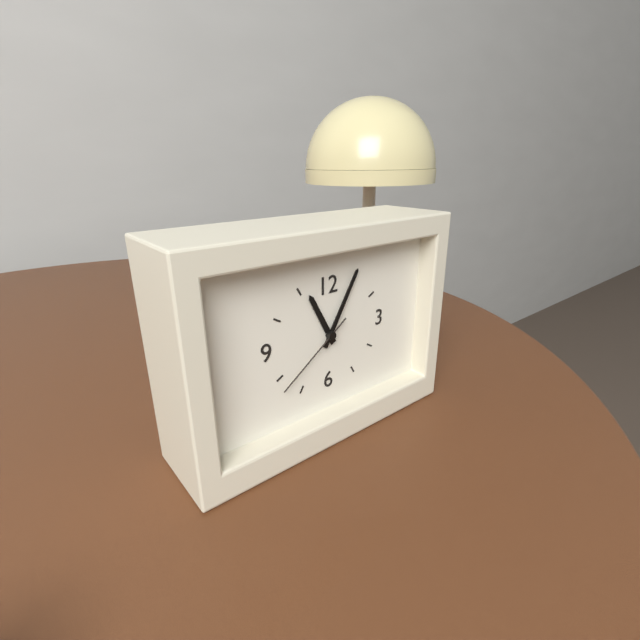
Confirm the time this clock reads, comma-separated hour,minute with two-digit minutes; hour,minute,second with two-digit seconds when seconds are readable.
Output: 11,05,39
